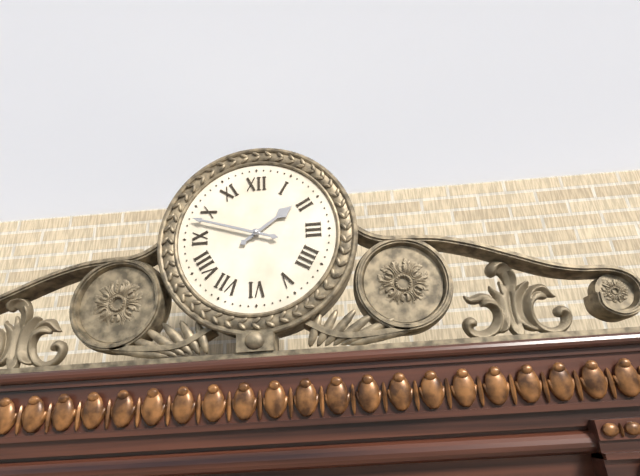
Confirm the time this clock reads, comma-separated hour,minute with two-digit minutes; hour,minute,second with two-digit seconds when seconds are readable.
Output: 1,48
